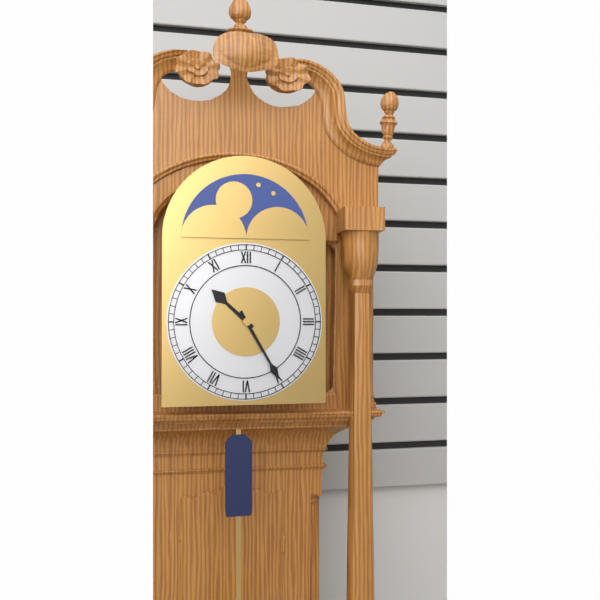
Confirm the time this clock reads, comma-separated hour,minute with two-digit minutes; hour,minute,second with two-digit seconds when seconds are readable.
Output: 10,25
